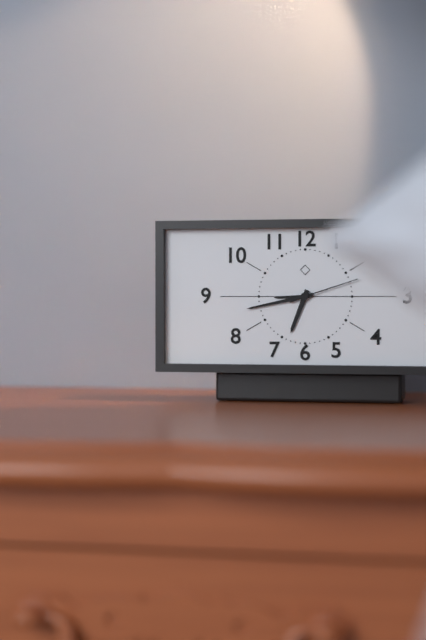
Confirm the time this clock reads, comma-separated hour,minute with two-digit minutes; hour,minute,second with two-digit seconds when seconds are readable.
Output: 6,43,12
